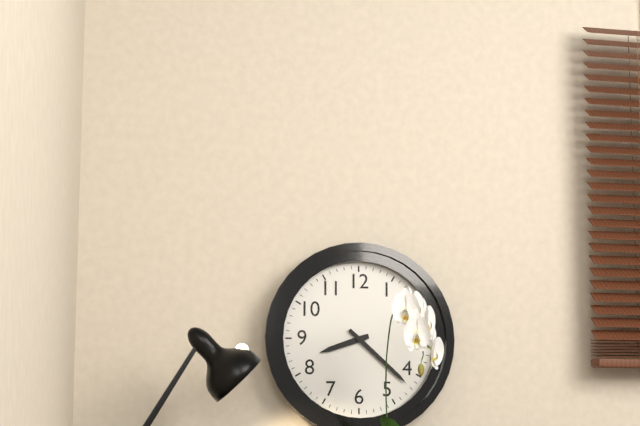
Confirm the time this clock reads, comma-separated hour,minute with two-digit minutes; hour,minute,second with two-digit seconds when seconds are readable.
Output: 8,22
